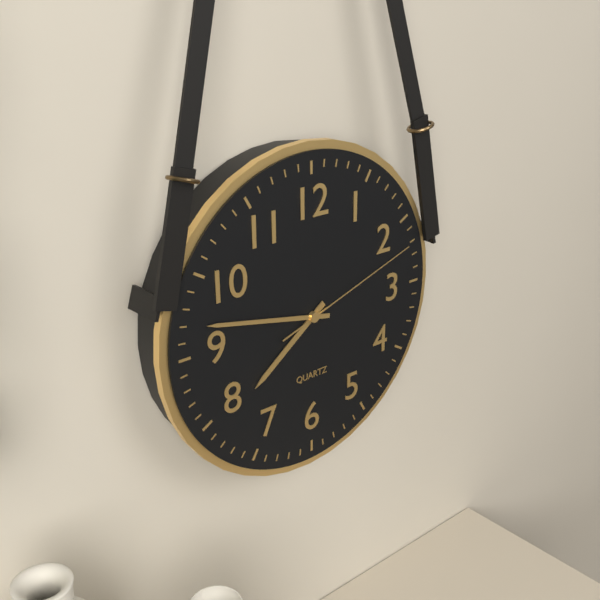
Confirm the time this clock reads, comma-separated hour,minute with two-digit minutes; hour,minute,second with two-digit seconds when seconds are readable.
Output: 7,47,12
